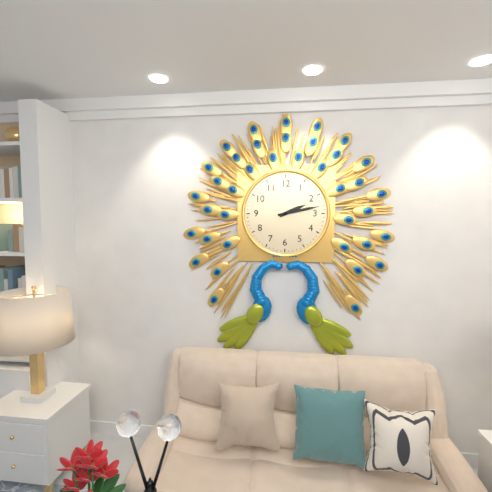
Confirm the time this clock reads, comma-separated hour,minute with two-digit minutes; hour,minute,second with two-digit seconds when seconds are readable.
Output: 2,13
